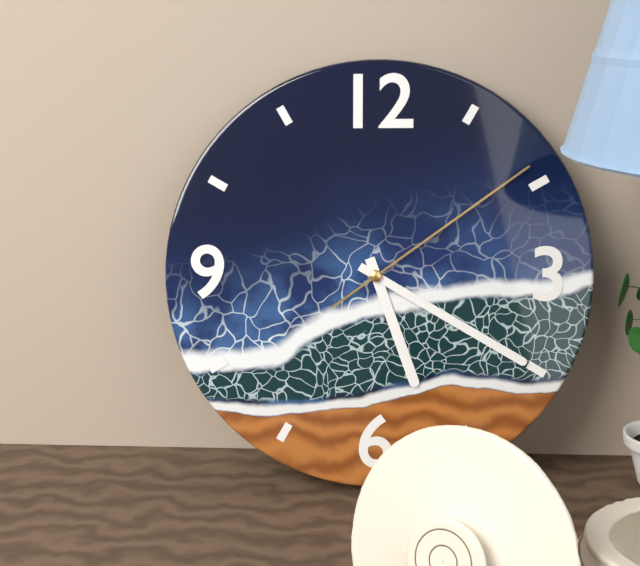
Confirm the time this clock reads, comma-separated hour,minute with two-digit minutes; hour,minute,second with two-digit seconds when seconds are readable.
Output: 5,20,09
